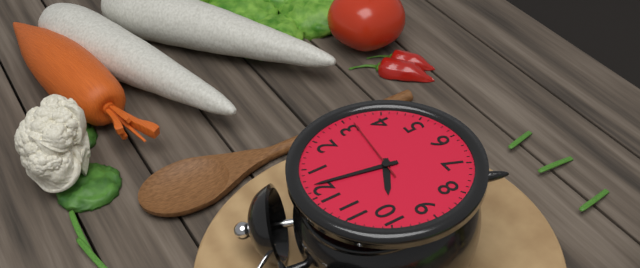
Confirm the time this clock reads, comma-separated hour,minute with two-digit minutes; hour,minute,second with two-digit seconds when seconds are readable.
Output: 10,02,16
